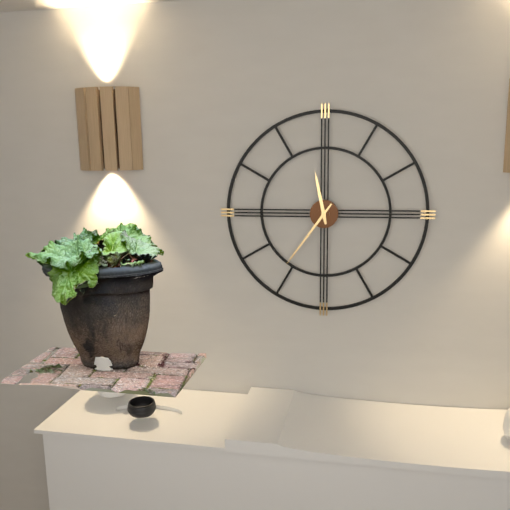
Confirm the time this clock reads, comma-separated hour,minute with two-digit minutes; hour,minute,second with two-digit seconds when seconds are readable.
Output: 11,36
